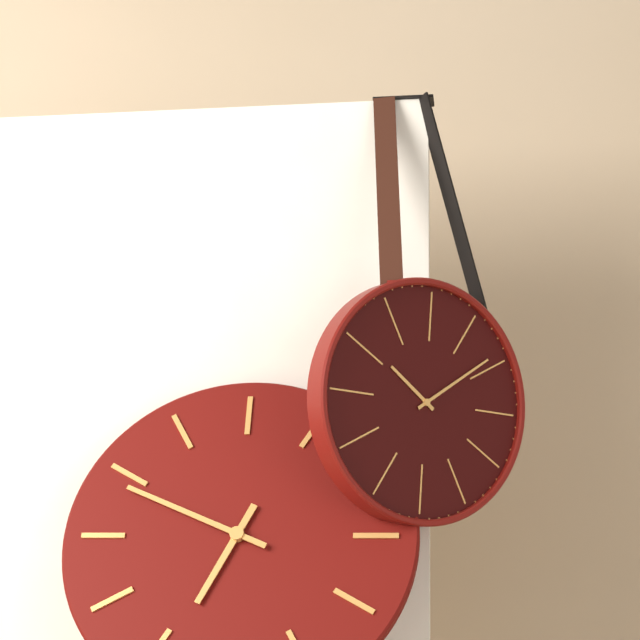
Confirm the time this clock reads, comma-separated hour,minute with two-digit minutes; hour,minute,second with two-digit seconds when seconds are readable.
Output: 6,49
